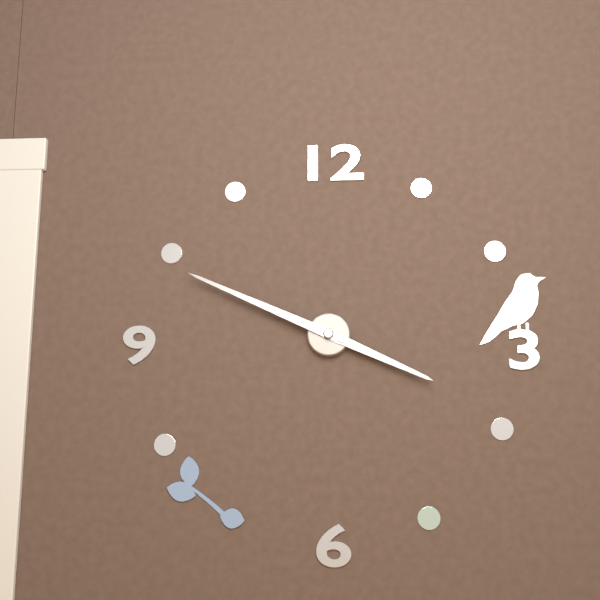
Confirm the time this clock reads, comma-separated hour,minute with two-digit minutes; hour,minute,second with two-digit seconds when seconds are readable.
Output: 3,49
